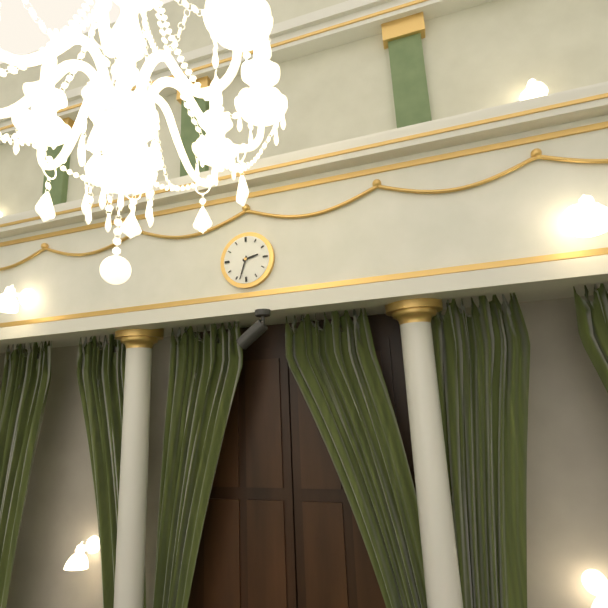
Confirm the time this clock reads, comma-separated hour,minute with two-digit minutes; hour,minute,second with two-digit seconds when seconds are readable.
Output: 2,33
